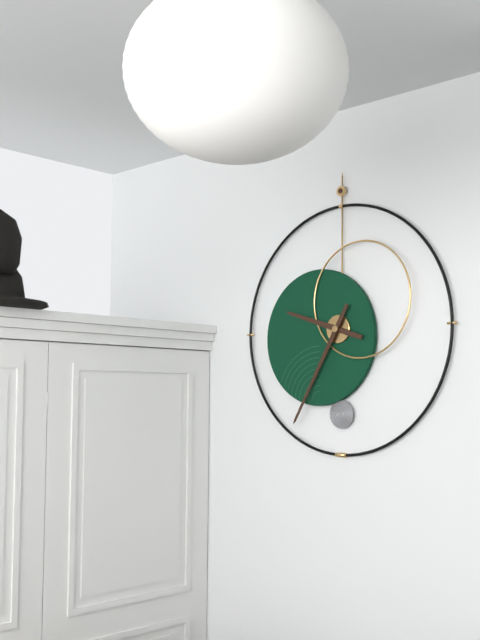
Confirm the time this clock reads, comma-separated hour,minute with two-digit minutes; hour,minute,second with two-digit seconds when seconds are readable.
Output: 9,35
